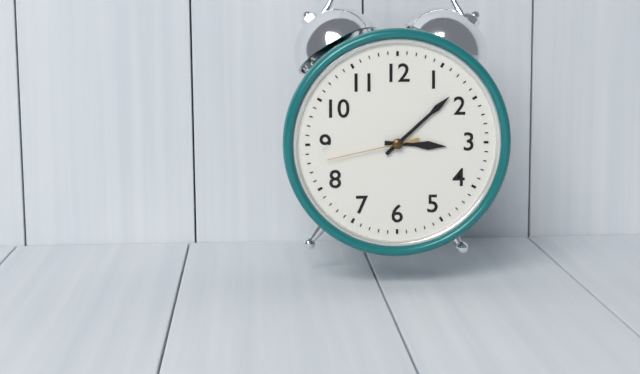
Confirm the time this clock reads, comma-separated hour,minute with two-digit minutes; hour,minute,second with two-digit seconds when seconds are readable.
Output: 3,08,43
